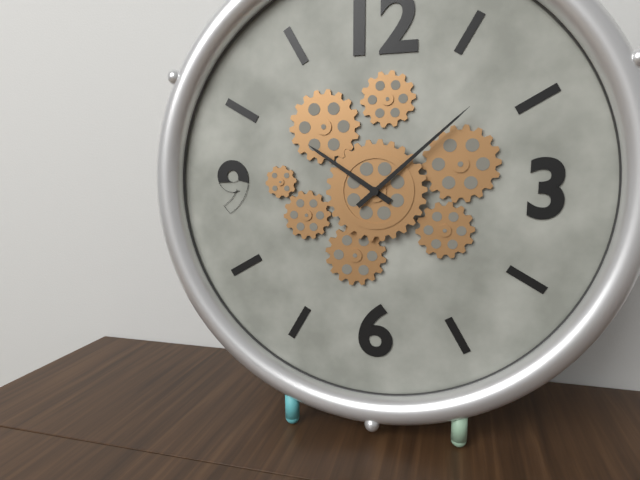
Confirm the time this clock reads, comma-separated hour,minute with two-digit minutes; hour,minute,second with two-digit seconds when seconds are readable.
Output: 10,08
